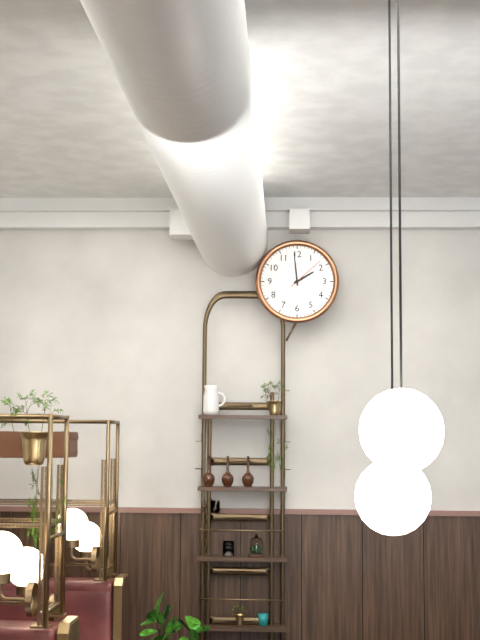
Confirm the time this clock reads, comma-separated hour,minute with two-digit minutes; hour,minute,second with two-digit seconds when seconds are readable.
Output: 1,59
